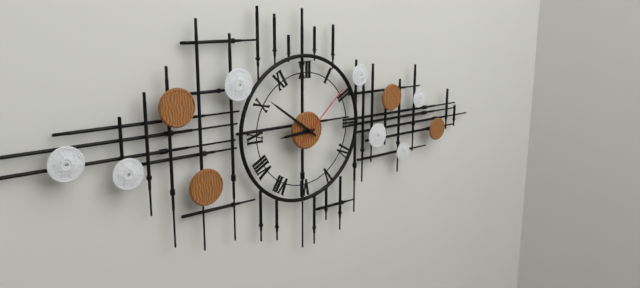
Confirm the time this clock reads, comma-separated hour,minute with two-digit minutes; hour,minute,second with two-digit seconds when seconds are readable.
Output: 8,51,08
